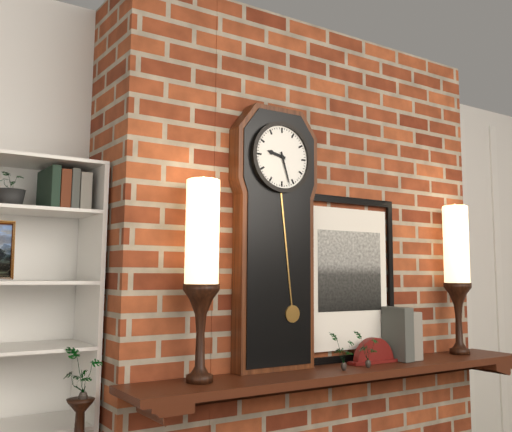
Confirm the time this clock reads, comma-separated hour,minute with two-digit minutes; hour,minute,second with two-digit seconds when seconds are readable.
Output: 9,27
